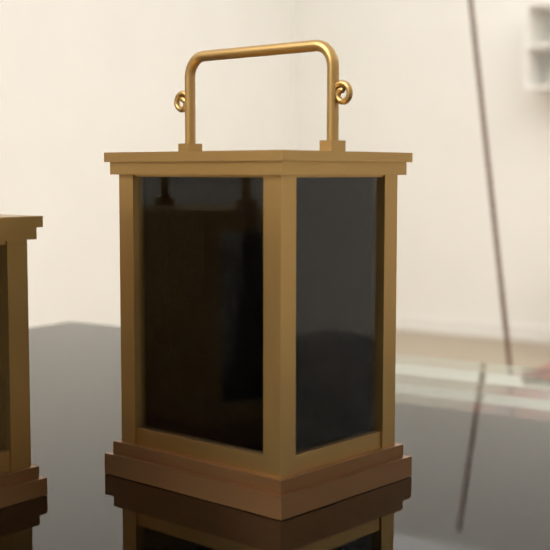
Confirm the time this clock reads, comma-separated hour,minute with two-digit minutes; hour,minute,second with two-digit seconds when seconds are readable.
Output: 4,35
